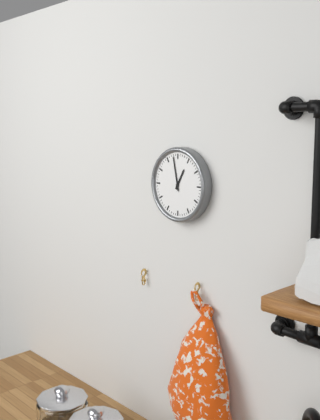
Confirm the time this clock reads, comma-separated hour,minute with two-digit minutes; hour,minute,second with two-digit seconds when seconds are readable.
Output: 12,58
